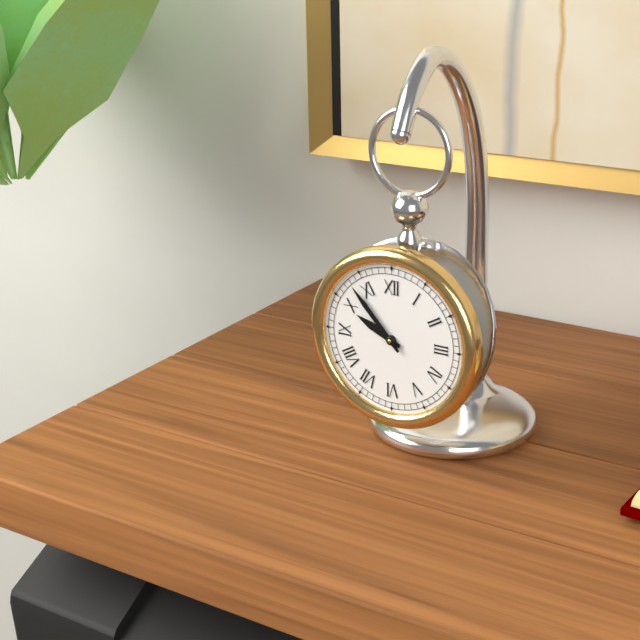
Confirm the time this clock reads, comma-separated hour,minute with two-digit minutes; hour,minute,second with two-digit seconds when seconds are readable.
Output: 9,53
